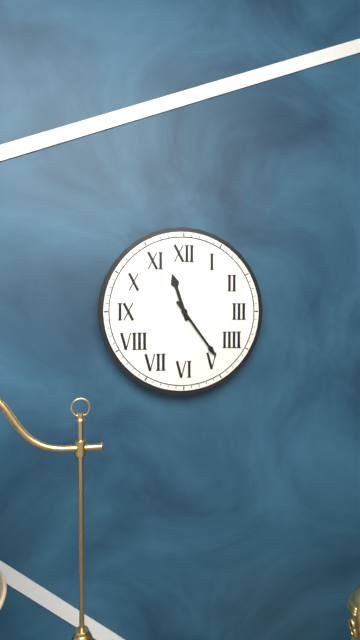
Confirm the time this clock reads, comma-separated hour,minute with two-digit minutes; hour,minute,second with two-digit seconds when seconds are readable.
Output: 11,24
